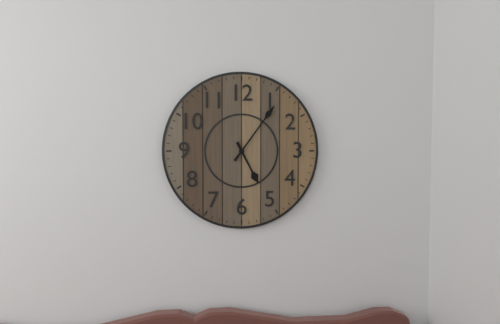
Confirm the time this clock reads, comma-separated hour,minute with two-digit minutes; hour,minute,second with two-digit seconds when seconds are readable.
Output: 5,06
